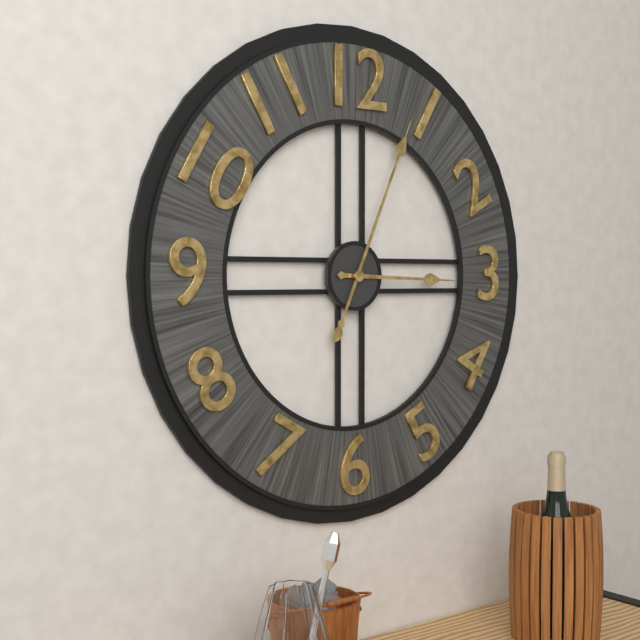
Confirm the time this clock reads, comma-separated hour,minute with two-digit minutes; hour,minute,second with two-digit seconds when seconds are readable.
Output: 3,04
